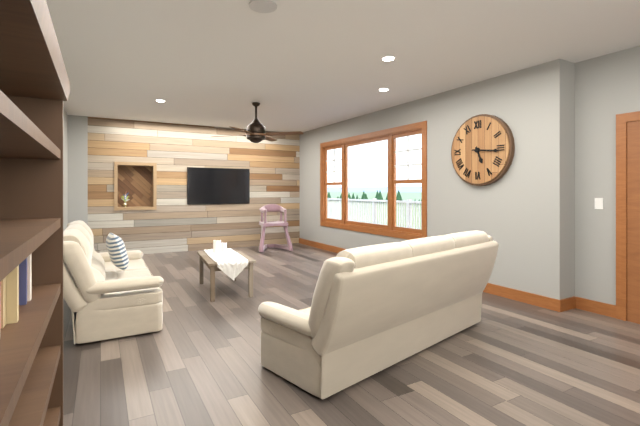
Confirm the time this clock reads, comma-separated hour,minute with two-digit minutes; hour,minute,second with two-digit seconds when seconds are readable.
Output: 5,16
